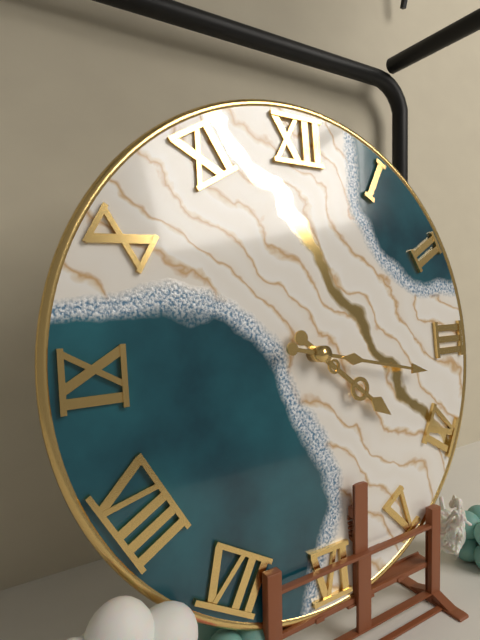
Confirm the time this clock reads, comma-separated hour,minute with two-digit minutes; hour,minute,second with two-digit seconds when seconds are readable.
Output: 4,17
